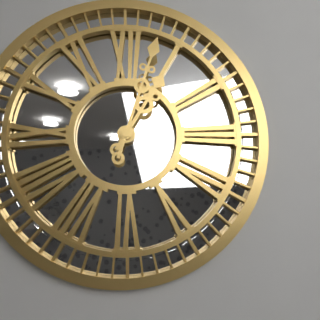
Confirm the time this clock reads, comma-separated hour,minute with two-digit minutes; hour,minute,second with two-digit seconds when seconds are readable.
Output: 1,03
